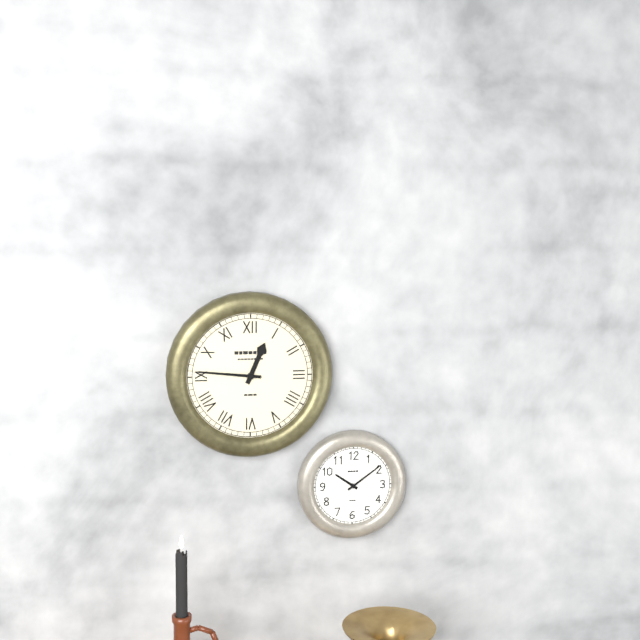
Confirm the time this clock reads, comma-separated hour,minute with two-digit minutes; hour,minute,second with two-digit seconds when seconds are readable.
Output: 12,46
